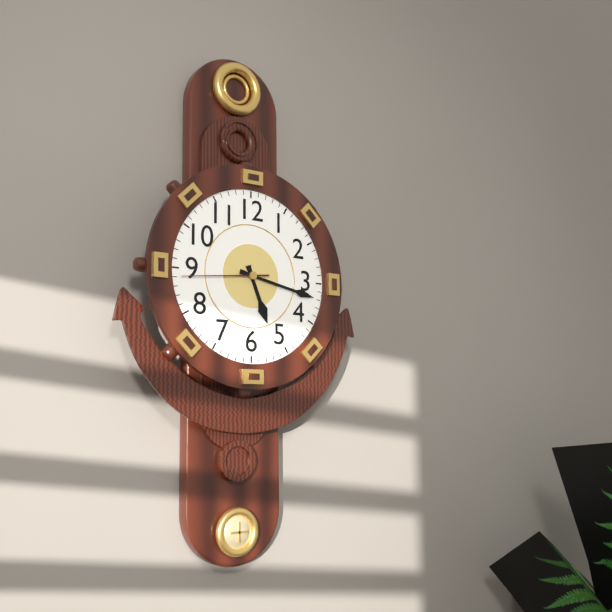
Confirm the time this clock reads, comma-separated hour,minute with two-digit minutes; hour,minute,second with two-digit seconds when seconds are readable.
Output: 5,17,44
